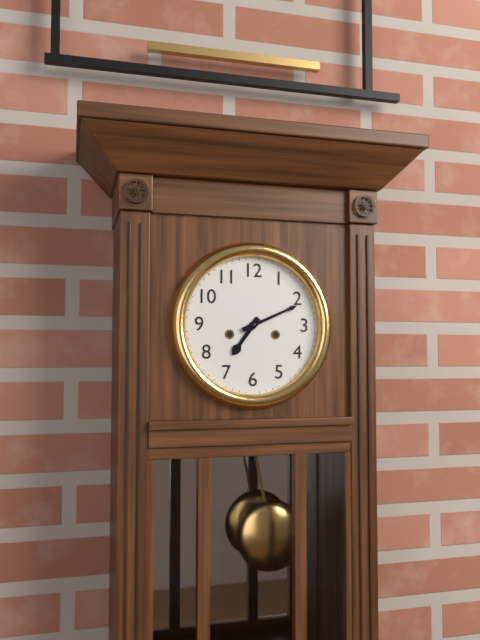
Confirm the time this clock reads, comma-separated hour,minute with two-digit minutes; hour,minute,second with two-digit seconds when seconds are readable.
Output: 7,11
